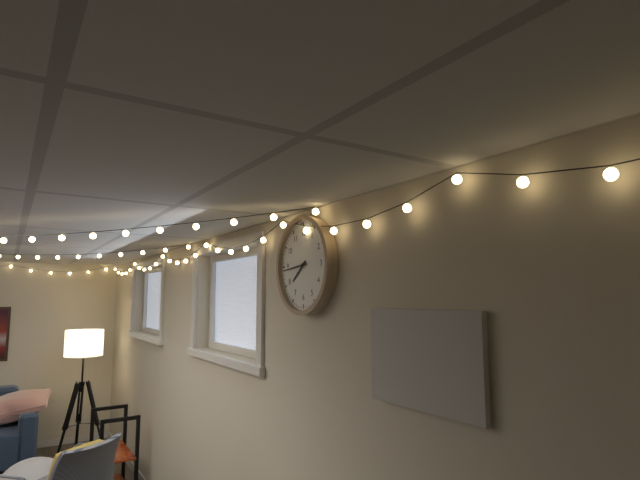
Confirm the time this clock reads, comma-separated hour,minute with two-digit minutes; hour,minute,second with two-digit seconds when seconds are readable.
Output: 7,44
